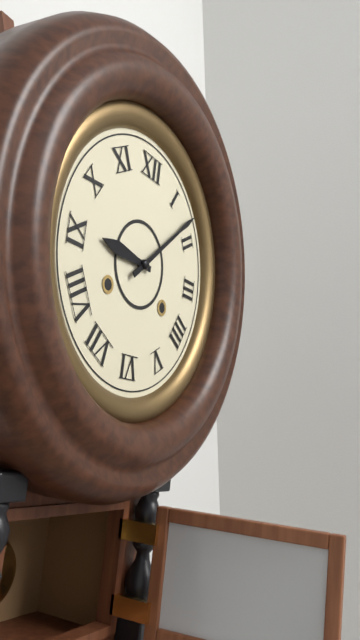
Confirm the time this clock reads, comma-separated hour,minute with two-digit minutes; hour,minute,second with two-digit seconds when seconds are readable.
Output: 9,08
